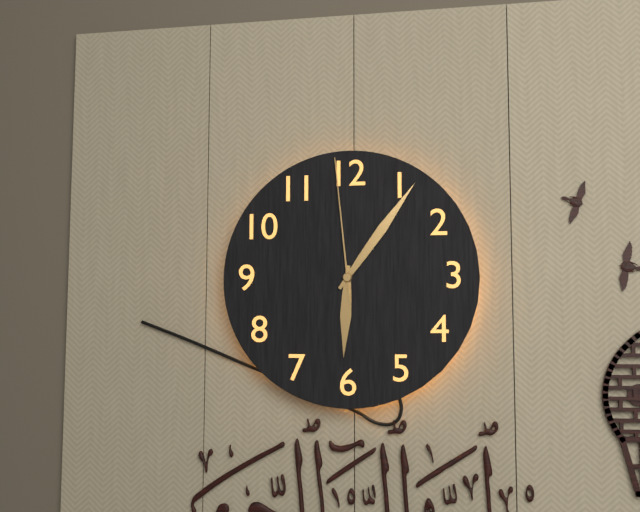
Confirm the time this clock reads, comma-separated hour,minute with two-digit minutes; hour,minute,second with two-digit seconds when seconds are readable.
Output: 6,06,59
